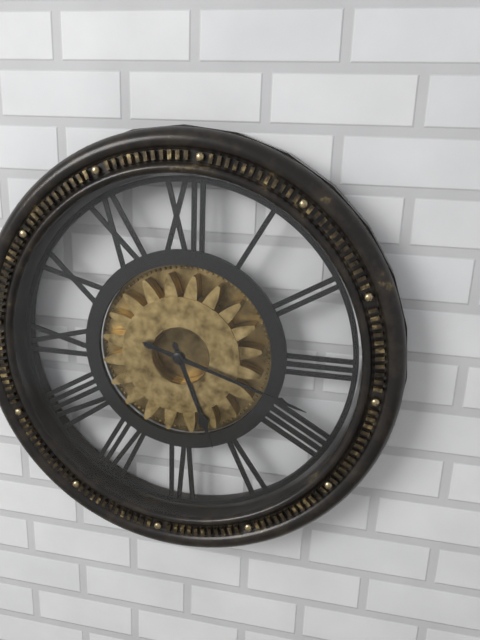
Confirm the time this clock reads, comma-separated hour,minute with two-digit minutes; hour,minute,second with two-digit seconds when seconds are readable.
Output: 5,18
